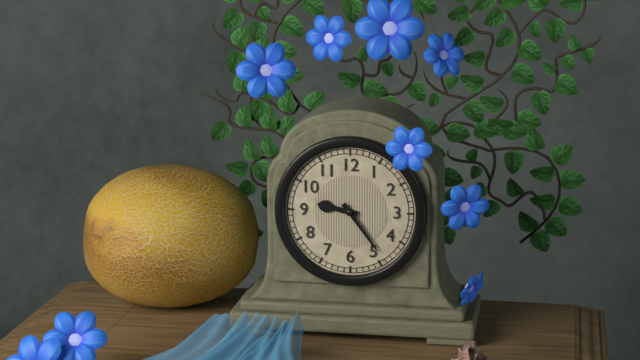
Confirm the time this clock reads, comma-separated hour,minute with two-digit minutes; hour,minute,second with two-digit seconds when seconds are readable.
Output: 9,24
